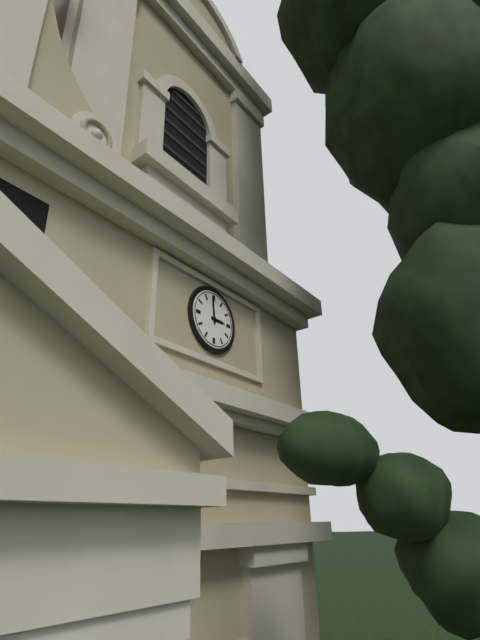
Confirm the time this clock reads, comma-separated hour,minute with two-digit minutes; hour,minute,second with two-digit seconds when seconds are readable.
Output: 2,59
